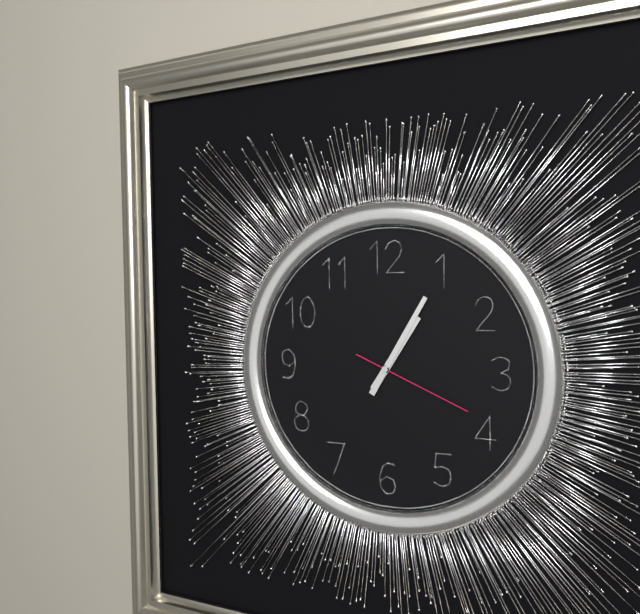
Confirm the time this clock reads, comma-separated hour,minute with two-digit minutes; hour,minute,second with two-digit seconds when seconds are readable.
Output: 1,05,19
